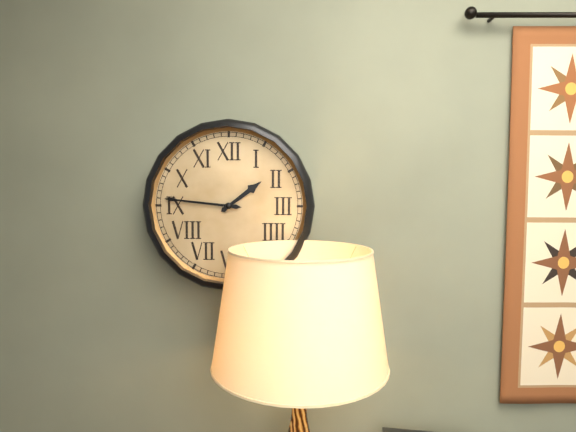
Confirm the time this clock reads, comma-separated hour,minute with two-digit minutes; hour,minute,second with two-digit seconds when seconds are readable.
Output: 1,46
